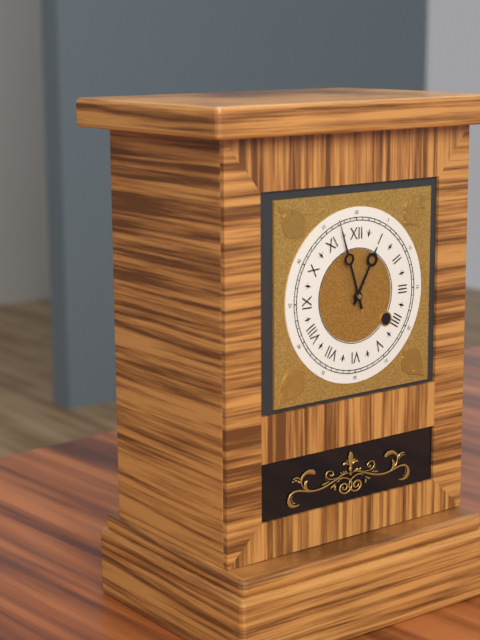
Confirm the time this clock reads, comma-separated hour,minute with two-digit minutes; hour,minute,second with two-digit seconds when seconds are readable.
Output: 12,57
